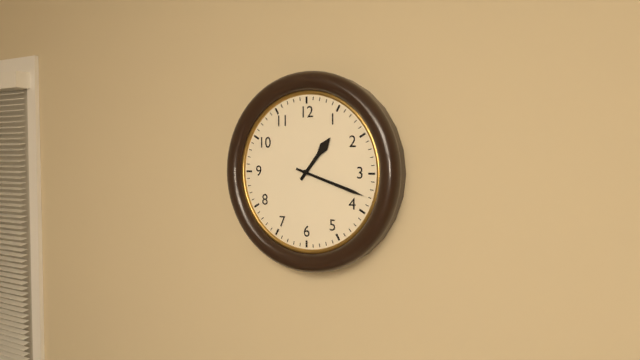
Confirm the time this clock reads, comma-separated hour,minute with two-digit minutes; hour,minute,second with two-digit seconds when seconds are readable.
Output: 1,18
